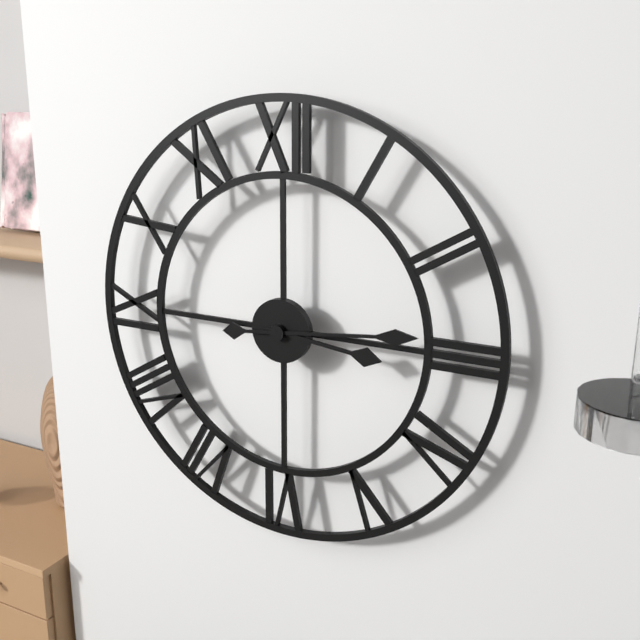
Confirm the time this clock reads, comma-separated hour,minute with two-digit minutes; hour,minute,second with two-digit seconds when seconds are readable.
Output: 3,14
